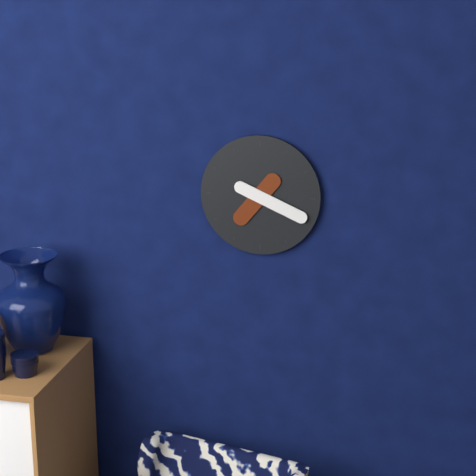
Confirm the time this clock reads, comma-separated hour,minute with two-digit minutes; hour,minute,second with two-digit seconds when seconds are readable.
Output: 7,19
